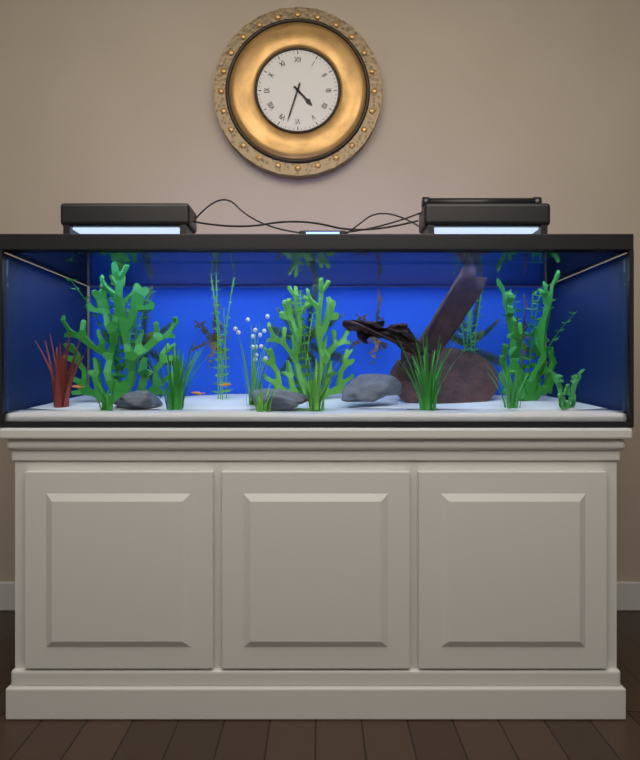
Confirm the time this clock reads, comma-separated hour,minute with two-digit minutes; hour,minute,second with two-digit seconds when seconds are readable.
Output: 4,33
